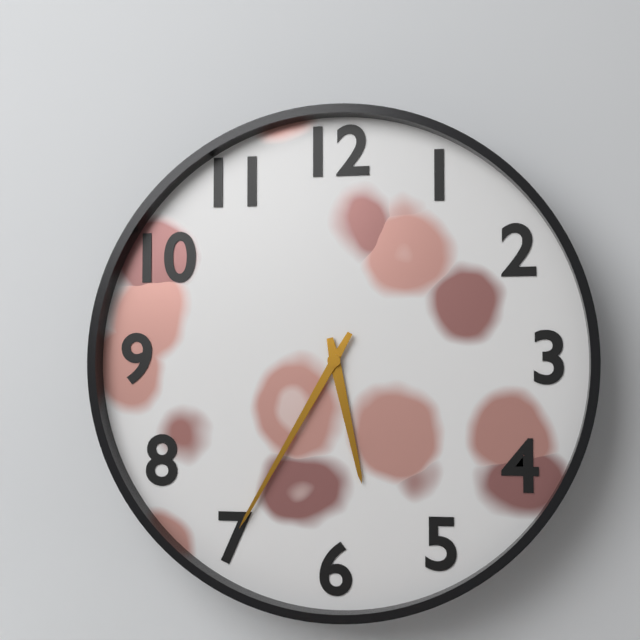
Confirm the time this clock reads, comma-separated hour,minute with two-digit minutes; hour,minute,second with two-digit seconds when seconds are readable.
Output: 5,35
